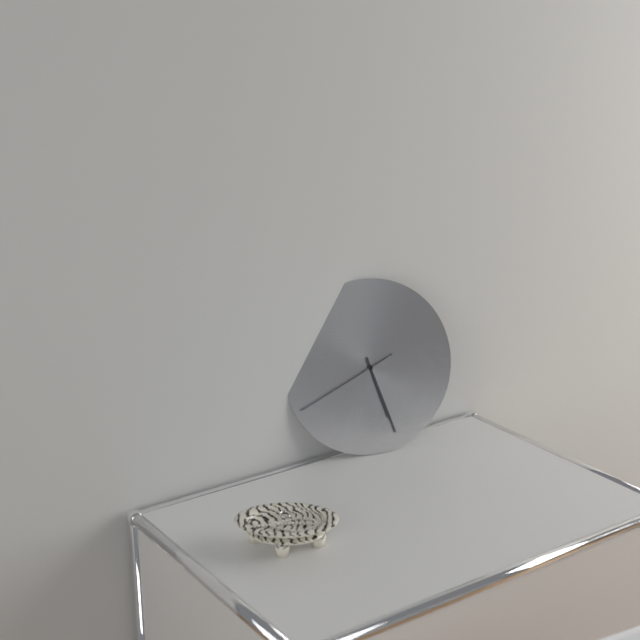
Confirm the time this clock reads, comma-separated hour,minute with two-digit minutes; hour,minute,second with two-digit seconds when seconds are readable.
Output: 5,27,41
